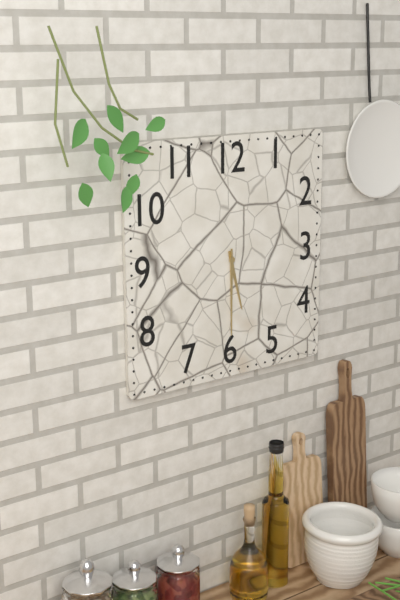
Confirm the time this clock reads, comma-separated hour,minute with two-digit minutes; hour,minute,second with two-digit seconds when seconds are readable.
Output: 5,30
